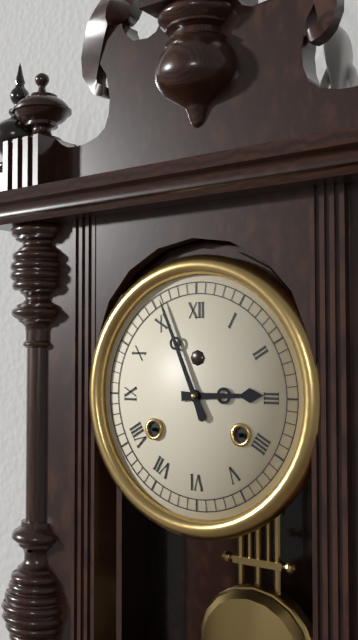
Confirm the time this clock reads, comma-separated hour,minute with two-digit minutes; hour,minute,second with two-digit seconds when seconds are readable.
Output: 2,56
